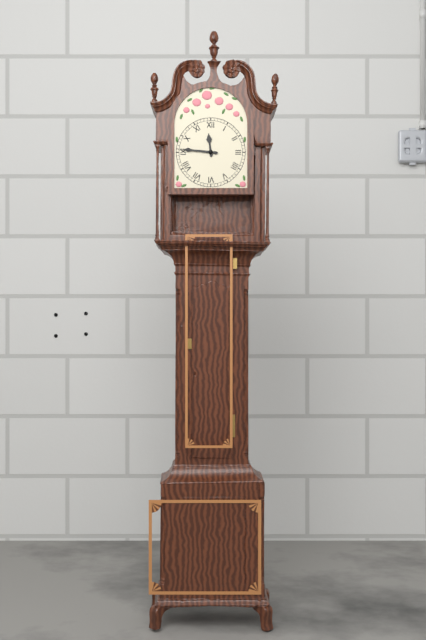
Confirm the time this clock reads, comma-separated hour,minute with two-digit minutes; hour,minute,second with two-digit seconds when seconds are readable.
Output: 11,46
